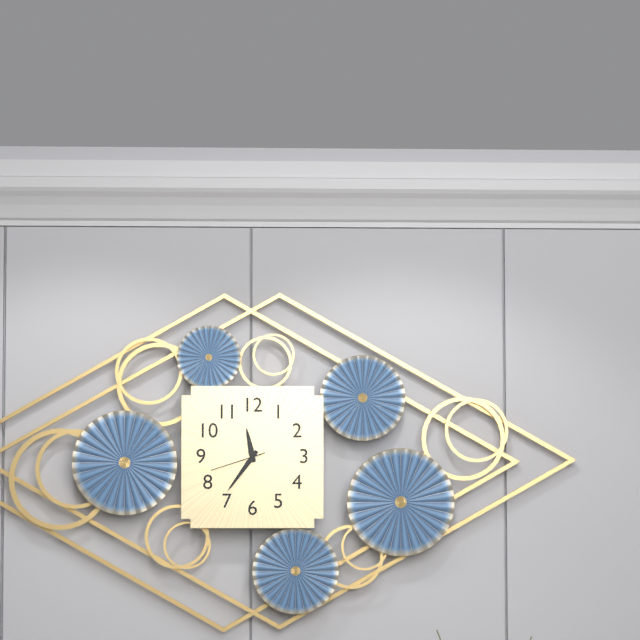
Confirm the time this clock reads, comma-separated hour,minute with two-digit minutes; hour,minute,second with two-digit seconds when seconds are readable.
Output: 11,36,42
